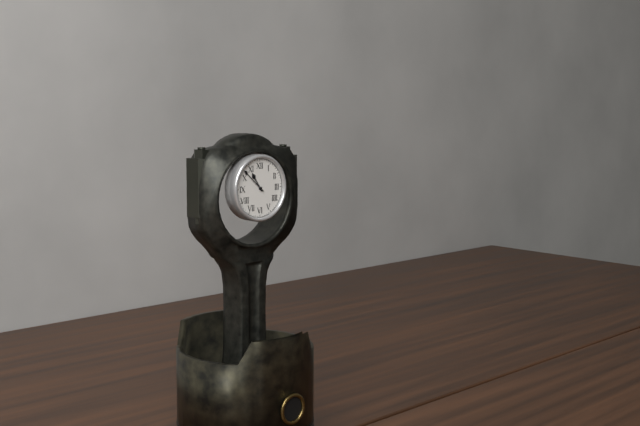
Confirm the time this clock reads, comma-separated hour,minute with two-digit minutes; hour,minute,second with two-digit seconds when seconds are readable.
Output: 10,52
